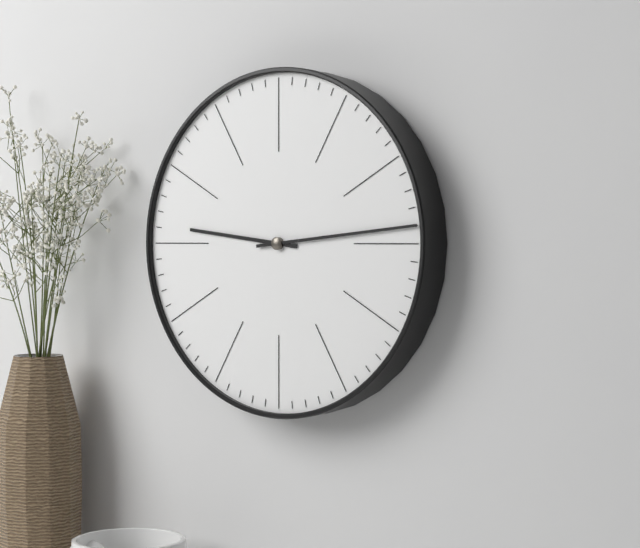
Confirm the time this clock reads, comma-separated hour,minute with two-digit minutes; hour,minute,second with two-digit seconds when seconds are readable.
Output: 9,14
